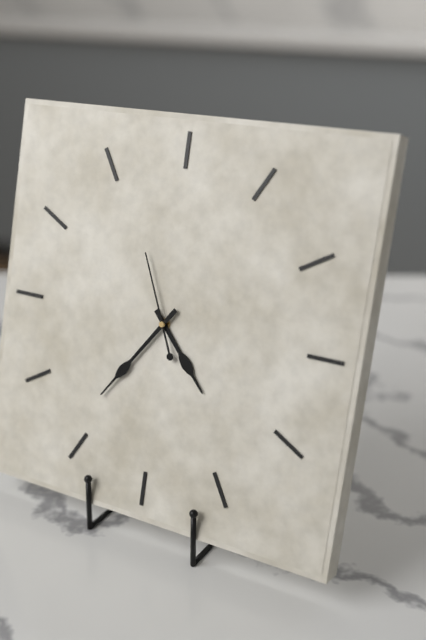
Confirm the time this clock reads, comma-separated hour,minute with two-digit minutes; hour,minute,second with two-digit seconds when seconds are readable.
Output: 4,36,56
